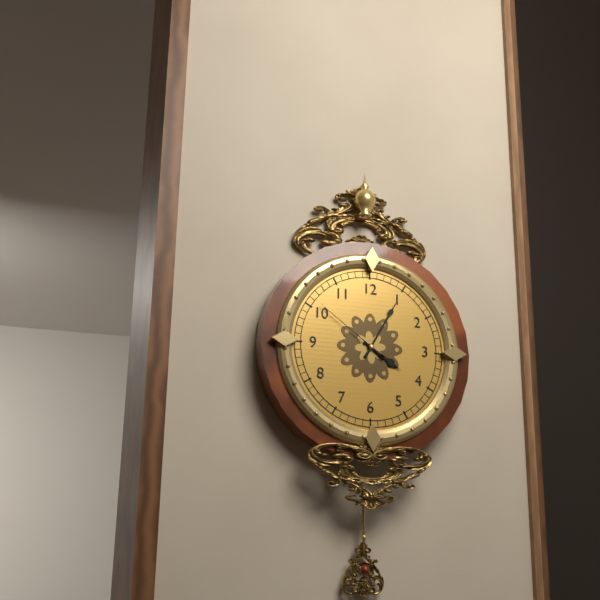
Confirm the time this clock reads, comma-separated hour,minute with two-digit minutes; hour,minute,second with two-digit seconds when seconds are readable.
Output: 4,05,51
